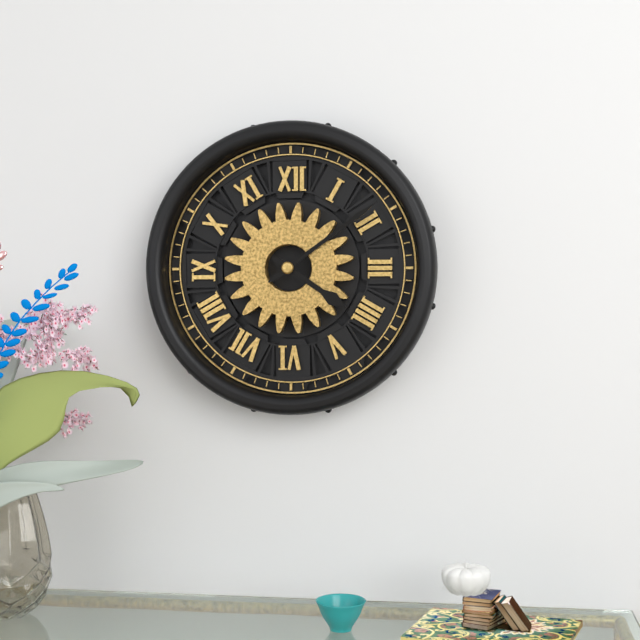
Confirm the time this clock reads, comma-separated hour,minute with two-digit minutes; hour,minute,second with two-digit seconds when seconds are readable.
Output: 4,09
